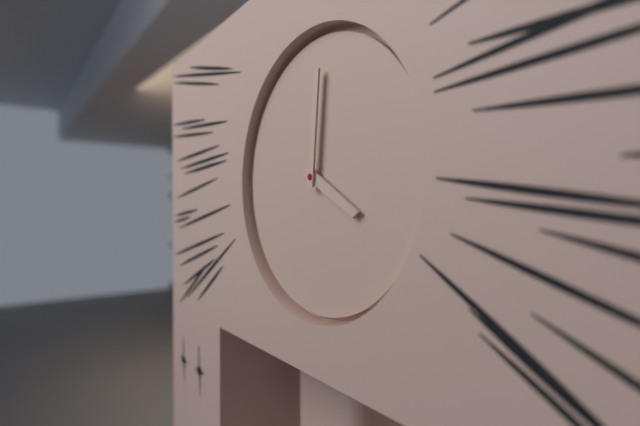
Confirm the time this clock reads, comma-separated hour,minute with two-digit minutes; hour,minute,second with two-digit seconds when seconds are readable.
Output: 4,01
